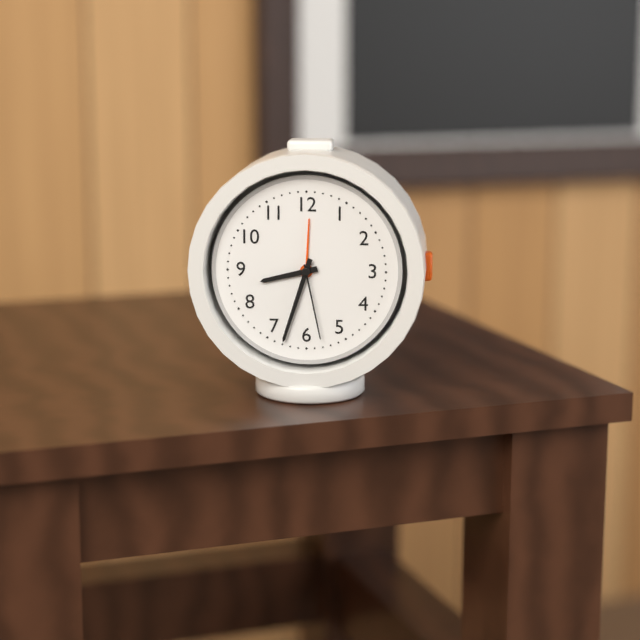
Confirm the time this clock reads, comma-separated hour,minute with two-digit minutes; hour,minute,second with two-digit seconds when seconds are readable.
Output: 8,33,28
